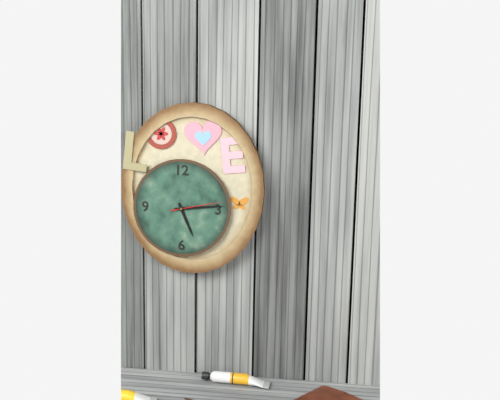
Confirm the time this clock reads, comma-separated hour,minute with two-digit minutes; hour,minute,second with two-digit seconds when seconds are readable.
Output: 5,14,13
